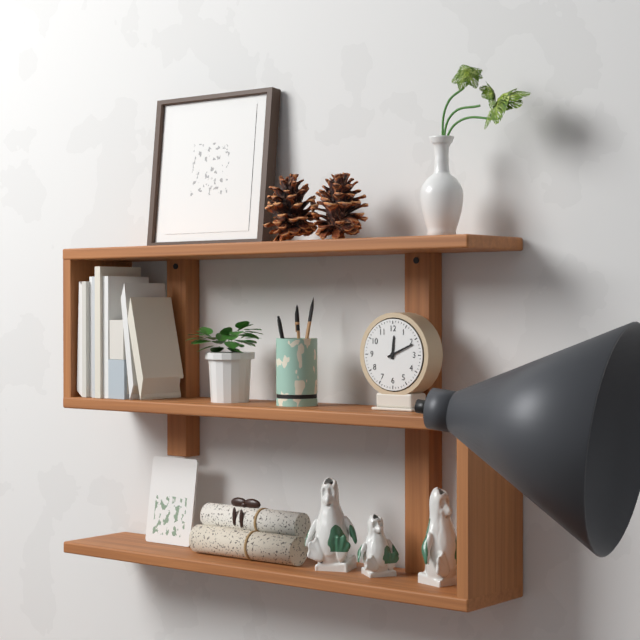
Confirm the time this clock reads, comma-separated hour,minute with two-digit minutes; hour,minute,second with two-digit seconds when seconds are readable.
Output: 12,11
